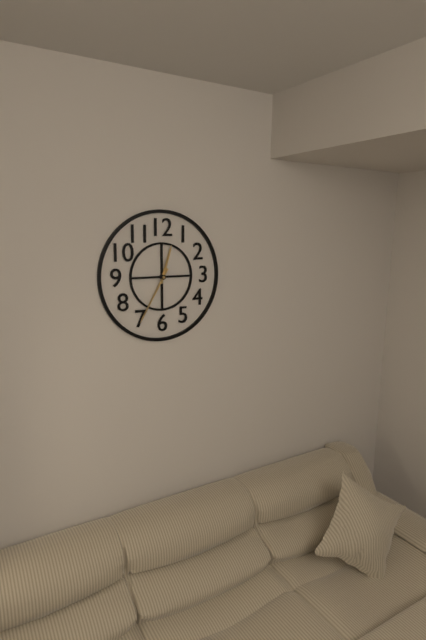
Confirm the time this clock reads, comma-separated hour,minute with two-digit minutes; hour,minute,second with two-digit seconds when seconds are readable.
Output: 12,35
